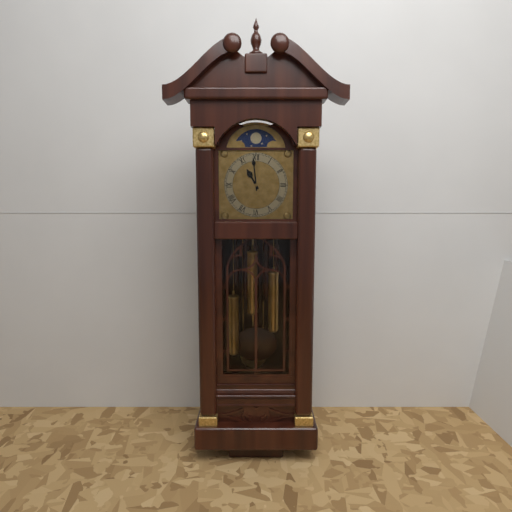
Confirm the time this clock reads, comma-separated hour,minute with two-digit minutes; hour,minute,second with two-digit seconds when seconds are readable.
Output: 10,59
